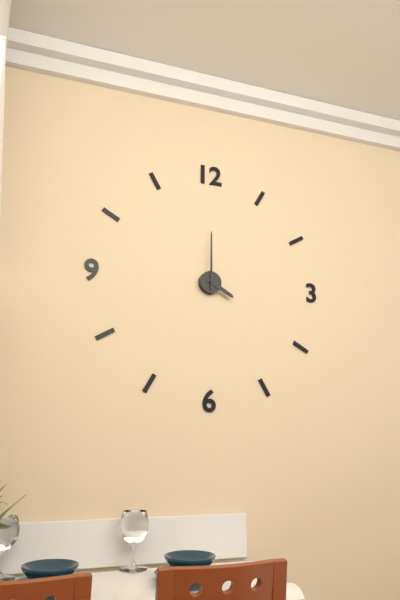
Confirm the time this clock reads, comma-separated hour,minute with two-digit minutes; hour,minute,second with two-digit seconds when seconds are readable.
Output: 4,00
